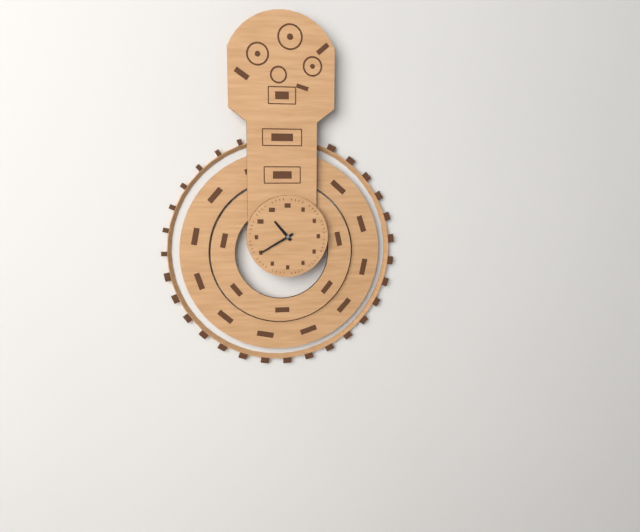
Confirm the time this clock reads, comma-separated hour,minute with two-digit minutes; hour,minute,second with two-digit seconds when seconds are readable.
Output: 10,40
